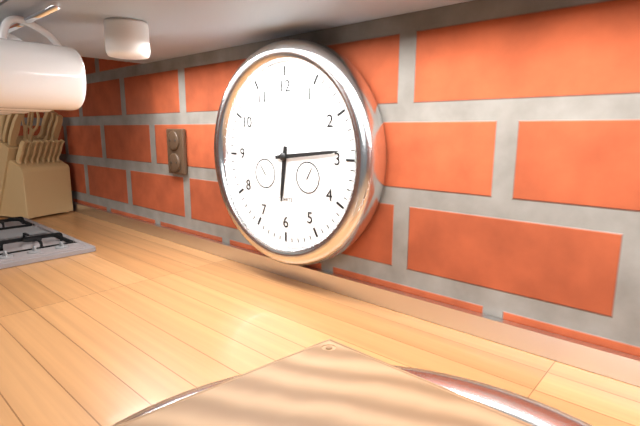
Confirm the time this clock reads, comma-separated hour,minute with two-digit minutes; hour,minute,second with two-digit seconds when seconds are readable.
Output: 6,14
